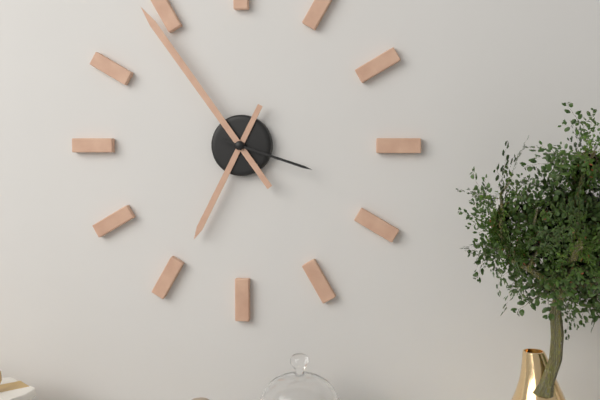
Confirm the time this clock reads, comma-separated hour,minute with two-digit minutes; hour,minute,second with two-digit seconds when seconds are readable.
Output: 6,54,18
